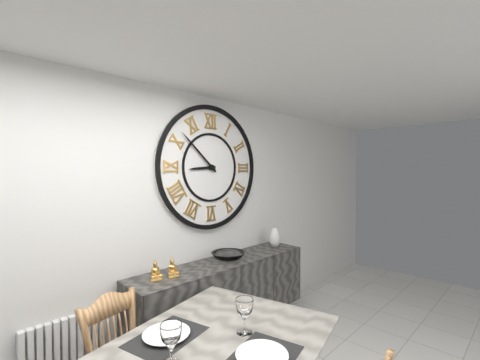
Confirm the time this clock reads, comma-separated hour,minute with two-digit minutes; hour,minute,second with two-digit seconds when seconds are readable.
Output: 8,52
